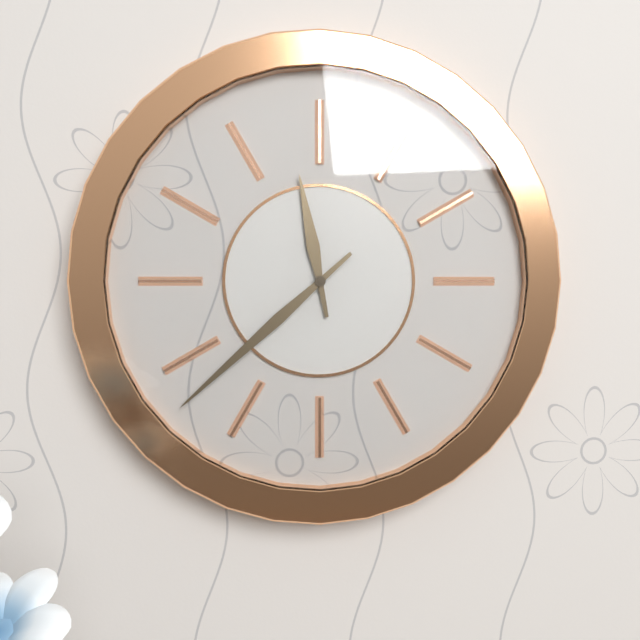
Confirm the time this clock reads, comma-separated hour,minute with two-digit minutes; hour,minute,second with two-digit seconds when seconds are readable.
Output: 11,38
